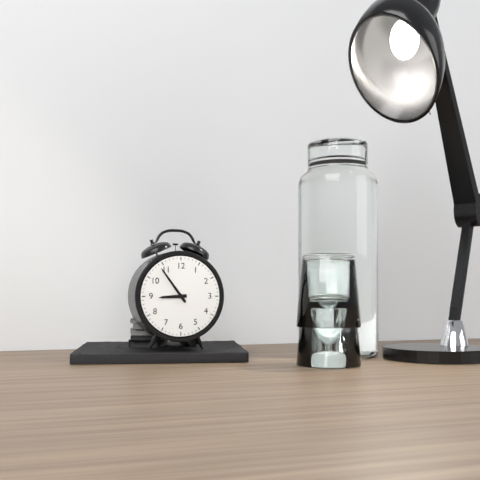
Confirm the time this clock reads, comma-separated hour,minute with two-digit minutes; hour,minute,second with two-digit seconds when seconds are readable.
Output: 8,54
